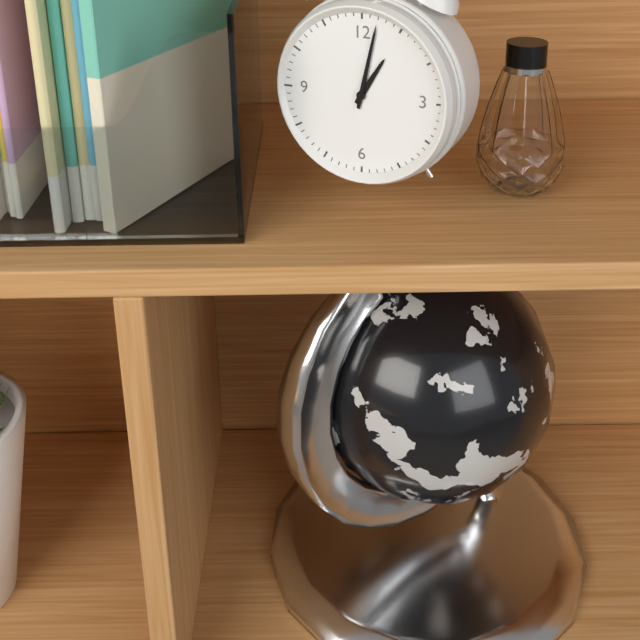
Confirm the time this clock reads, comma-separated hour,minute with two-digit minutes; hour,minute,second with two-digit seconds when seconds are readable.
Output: 1,02
